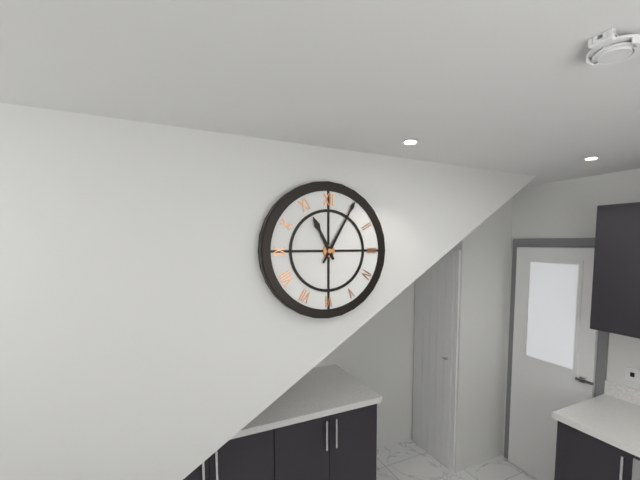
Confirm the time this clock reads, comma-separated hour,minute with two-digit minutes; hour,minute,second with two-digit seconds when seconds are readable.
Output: 11,05
